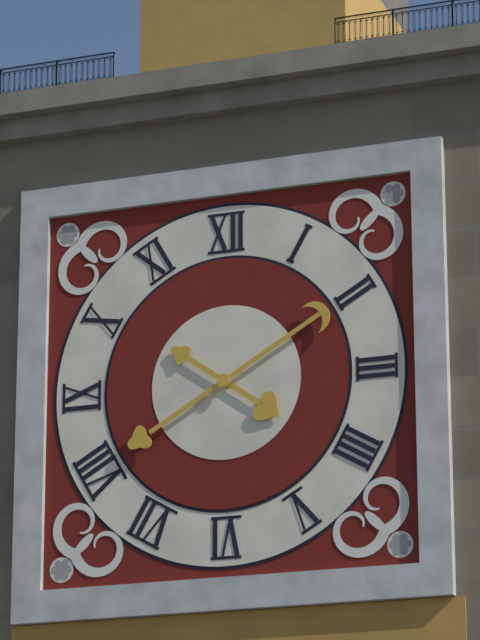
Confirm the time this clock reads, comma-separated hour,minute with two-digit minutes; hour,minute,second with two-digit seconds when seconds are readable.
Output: 4,10
